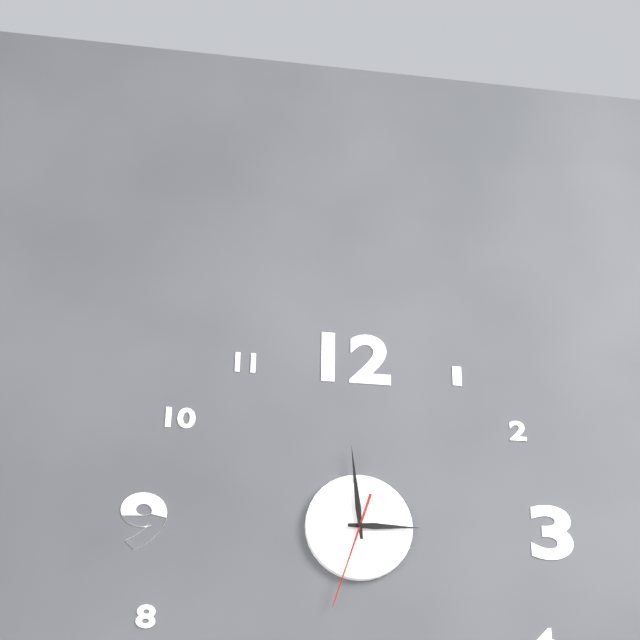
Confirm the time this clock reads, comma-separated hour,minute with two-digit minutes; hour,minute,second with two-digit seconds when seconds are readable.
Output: 2,59,33
